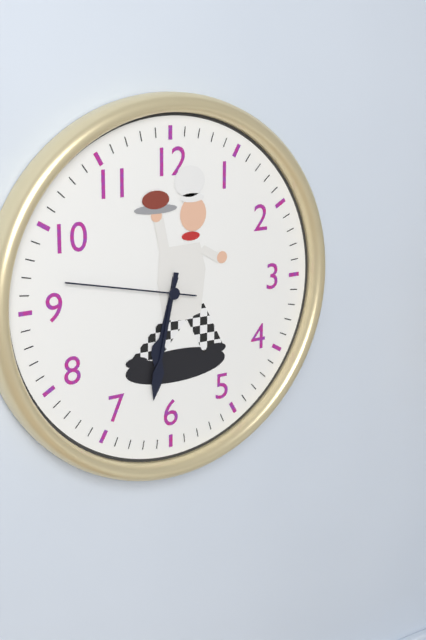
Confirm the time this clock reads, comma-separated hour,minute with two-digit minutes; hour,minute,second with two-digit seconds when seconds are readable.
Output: 6,32,47
